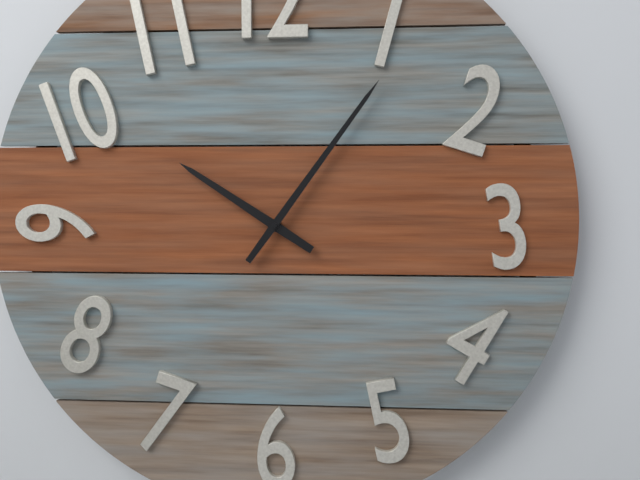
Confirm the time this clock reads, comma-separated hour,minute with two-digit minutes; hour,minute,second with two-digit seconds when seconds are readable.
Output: 10,06
